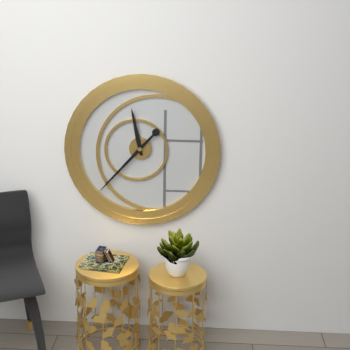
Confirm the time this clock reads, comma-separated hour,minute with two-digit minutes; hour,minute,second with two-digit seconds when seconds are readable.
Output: 11,37
